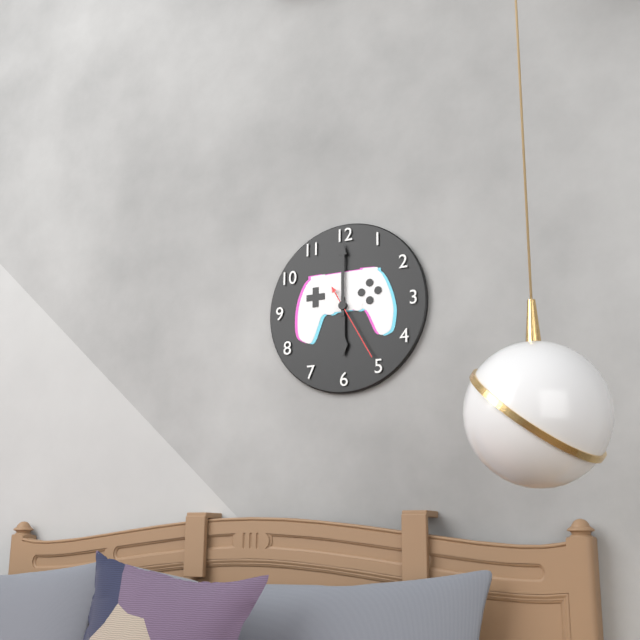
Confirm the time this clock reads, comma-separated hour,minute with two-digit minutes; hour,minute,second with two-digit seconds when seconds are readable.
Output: 6,00,25
